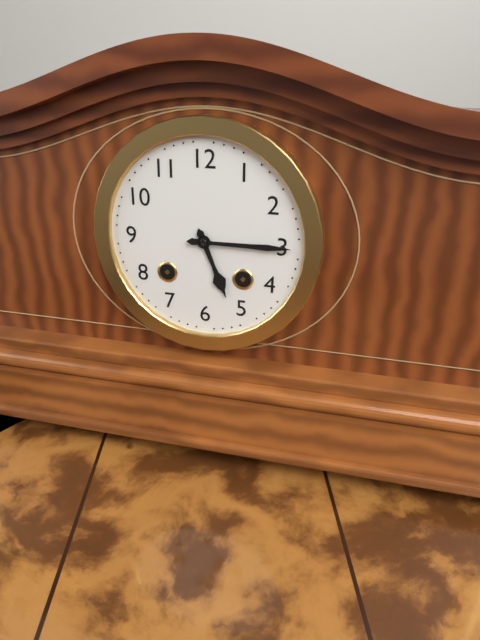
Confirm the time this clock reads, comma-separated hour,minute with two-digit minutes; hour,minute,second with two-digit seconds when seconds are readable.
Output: 5,15
